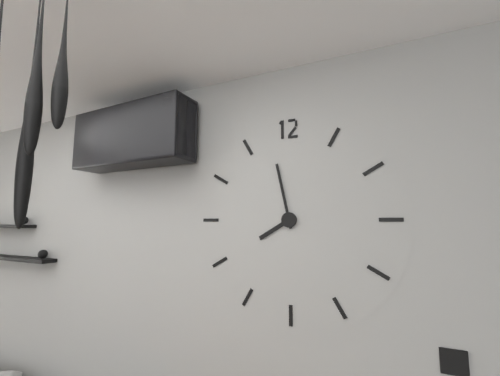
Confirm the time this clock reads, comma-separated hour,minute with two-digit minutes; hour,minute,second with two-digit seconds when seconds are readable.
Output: 7,58
